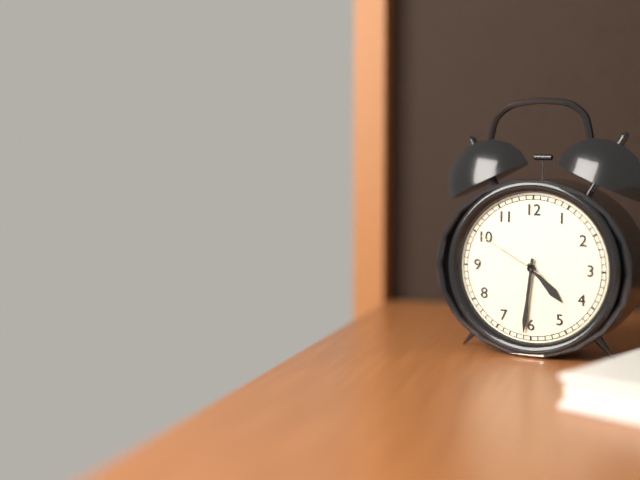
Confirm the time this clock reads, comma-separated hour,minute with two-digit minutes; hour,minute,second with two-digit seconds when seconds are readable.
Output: 4,31,50
